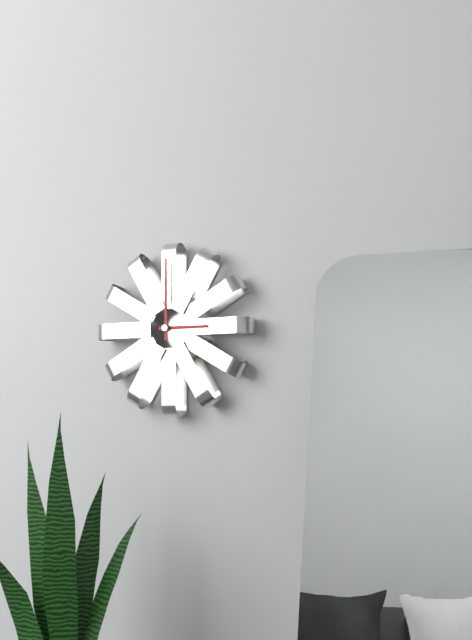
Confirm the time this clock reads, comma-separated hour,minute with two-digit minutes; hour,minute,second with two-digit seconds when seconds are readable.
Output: 3,00
